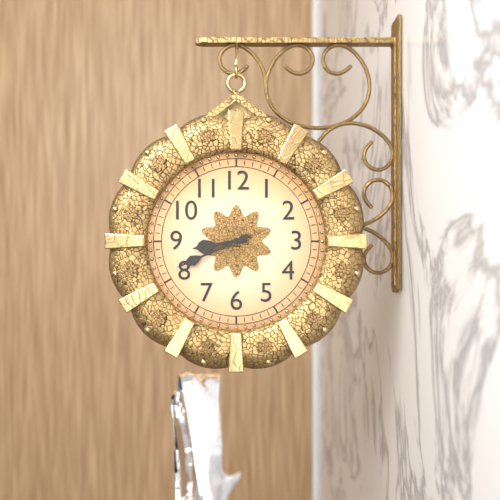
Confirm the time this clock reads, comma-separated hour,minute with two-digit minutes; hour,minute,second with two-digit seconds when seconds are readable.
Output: 8,41
